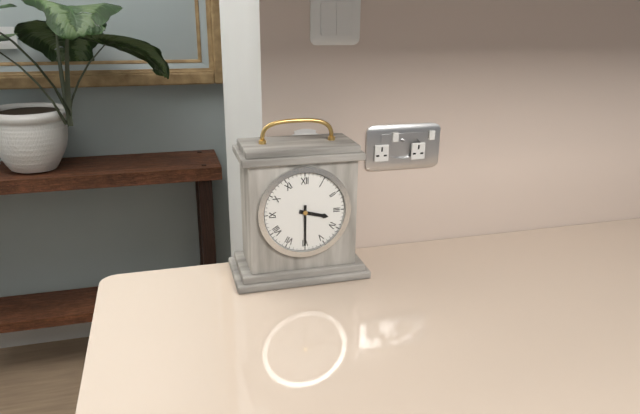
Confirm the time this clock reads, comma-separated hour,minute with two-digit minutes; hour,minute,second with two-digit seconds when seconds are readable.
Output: 3,30
